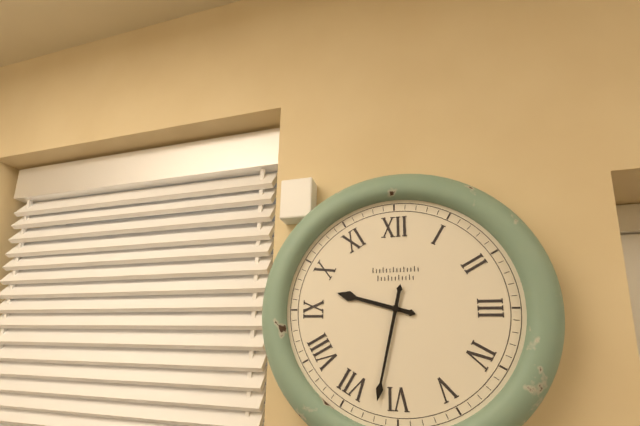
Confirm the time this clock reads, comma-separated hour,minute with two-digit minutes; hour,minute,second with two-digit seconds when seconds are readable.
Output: 9,32
